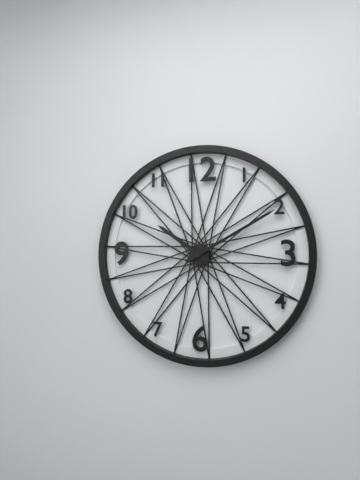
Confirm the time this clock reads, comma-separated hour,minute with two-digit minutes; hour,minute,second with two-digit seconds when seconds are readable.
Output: 10,10
